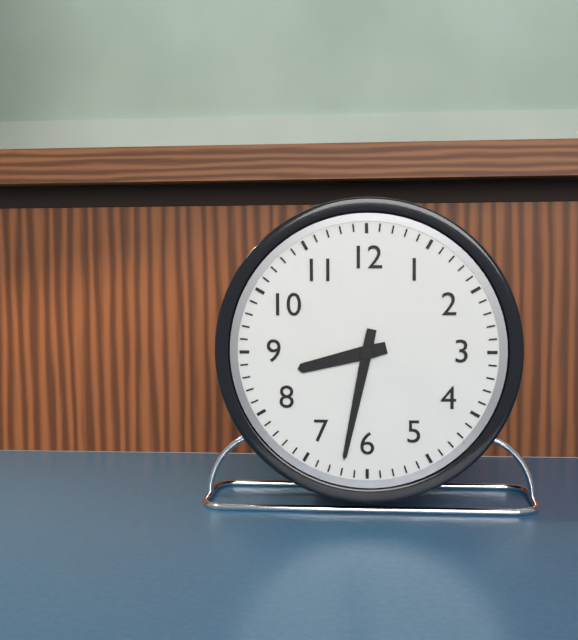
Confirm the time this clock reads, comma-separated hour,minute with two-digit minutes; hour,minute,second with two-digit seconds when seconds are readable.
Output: 8,32
